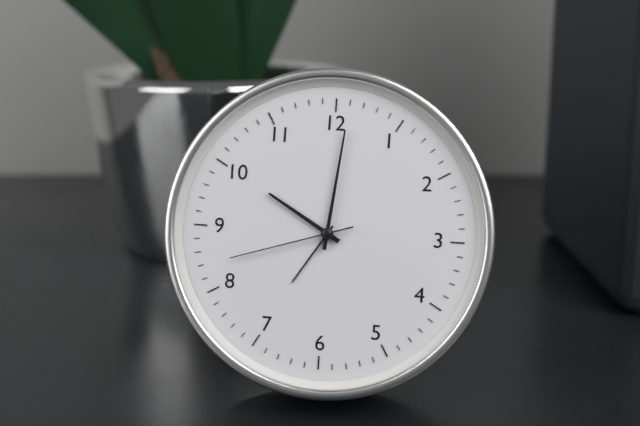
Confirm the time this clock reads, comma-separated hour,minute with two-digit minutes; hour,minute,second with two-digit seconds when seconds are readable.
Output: 10,01,42
